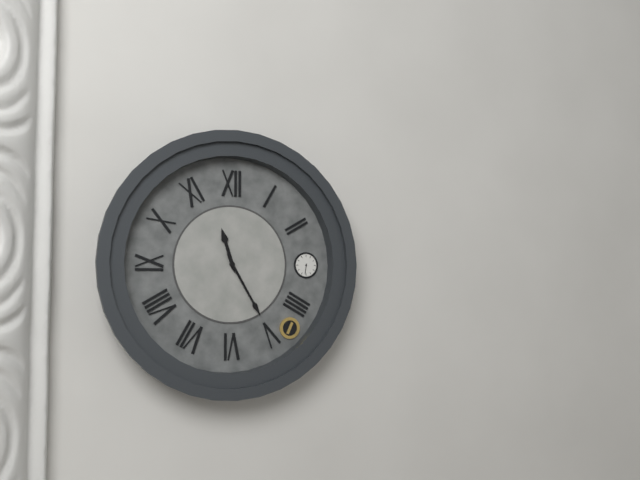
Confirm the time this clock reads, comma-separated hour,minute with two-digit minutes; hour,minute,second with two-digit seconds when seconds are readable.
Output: 11,25
